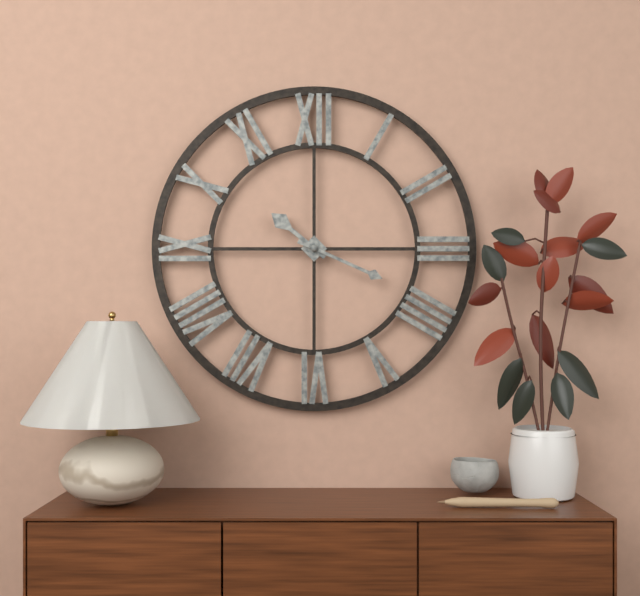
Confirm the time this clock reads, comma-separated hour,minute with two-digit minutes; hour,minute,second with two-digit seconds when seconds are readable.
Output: 10,19
